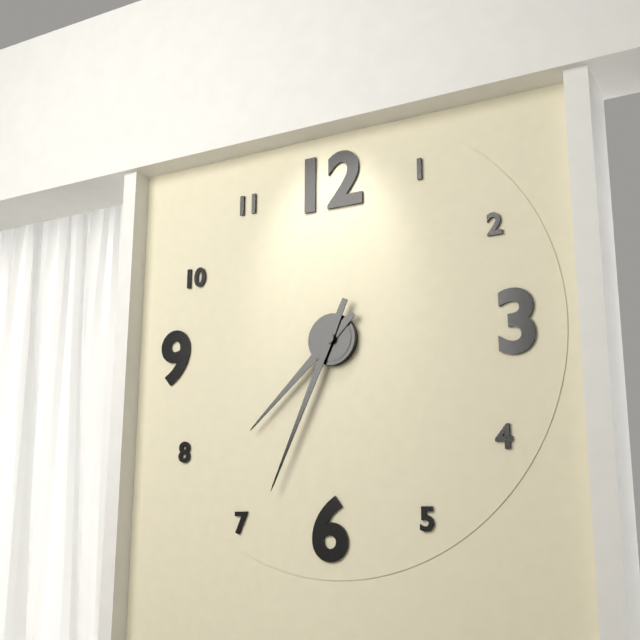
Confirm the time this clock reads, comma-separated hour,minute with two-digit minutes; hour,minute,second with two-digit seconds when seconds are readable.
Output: 7,34
